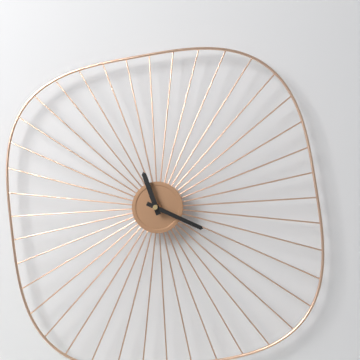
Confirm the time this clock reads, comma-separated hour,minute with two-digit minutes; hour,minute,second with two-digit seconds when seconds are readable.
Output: 11,19
